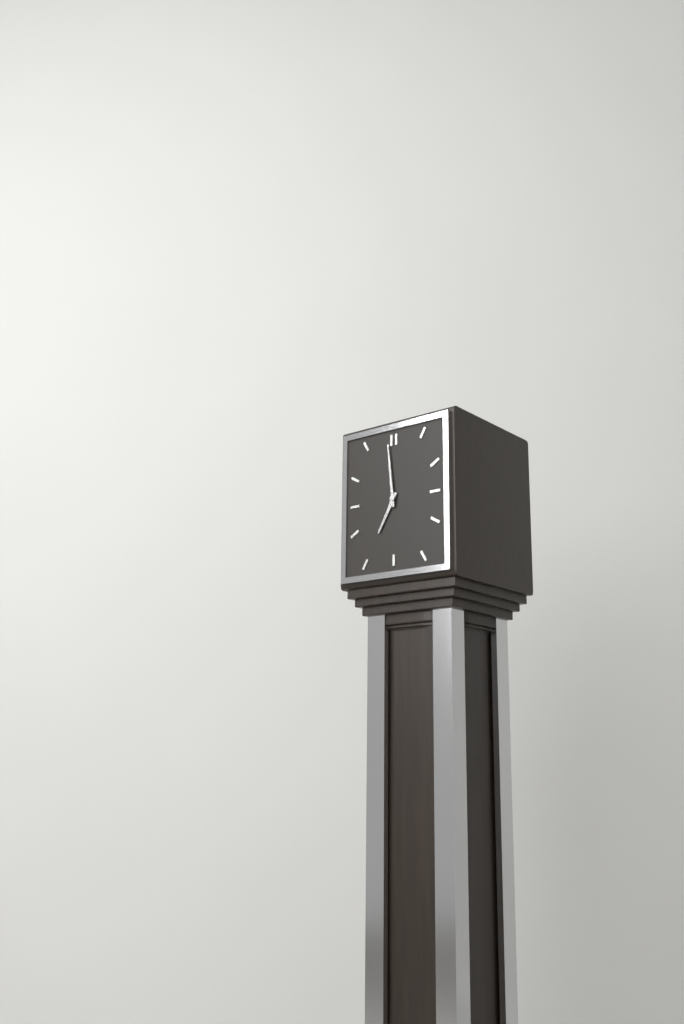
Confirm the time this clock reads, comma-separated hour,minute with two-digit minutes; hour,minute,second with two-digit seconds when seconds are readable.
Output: 6,59
